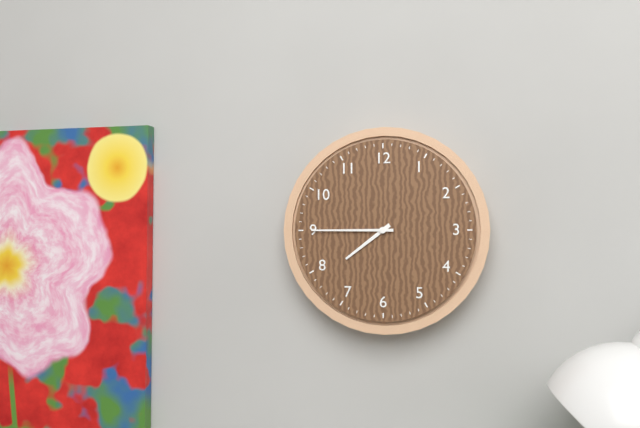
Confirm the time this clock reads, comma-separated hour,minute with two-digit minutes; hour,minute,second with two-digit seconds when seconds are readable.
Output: 7,45
